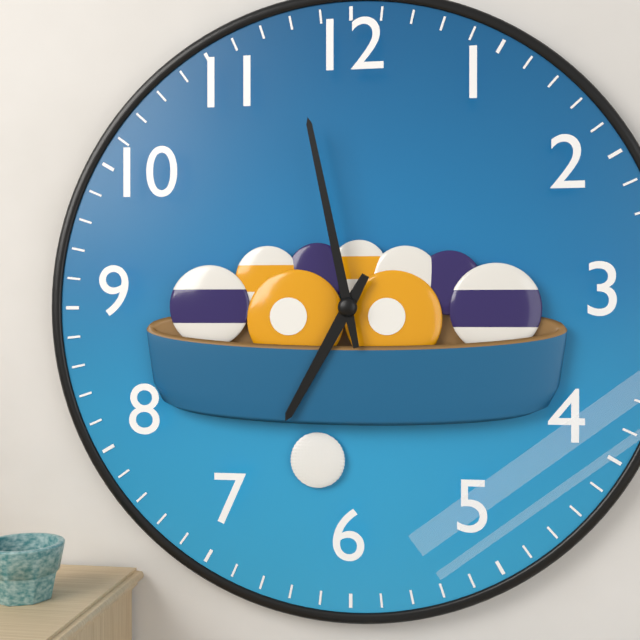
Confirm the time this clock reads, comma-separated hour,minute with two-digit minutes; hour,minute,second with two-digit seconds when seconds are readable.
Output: 6,58
